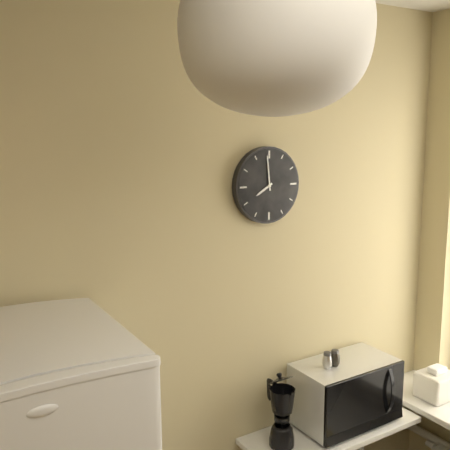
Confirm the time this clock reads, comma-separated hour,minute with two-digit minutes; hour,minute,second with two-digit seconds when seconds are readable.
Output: 7,59
